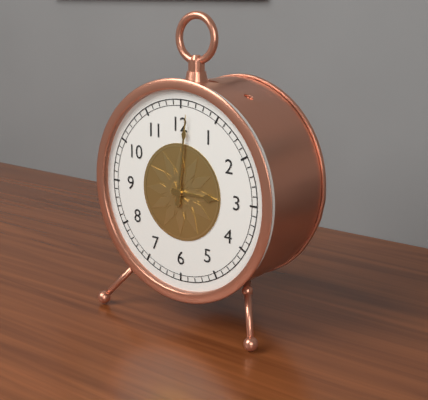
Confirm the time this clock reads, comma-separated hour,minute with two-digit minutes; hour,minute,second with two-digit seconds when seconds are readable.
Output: 3,01
